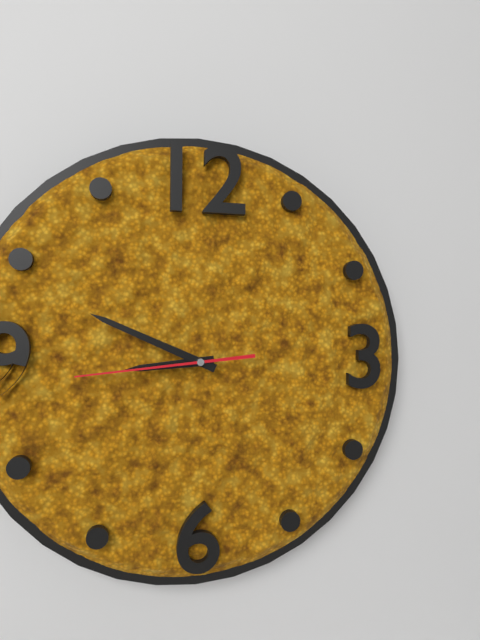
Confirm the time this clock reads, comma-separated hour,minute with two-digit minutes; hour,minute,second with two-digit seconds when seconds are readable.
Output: 8,49,44
